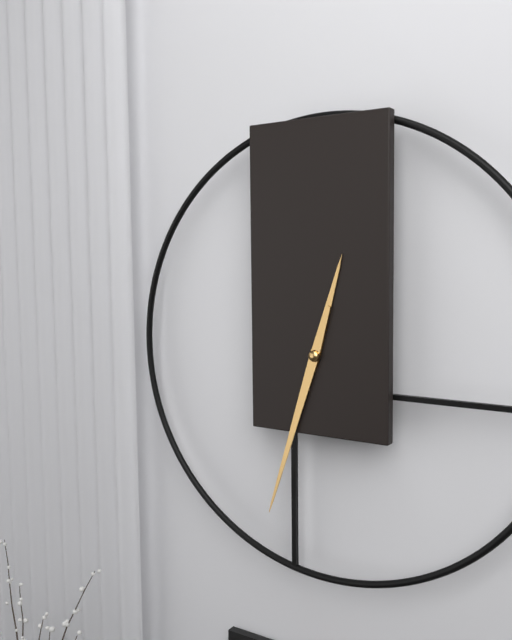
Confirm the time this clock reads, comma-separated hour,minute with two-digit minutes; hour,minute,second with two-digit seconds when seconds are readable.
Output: 12,33
